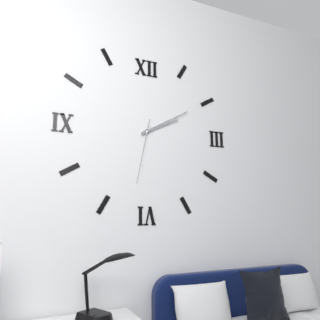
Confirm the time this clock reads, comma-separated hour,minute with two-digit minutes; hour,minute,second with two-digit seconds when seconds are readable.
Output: 2,10,32
